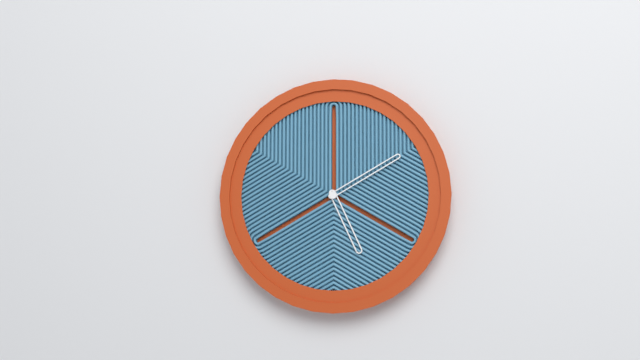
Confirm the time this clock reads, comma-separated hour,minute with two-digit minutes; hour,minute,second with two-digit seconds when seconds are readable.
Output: 5,10
